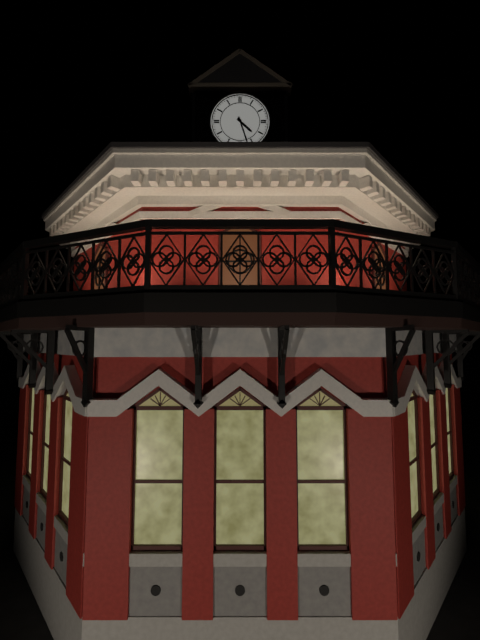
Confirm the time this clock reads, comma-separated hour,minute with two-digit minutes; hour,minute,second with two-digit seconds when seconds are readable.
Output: 4,27
